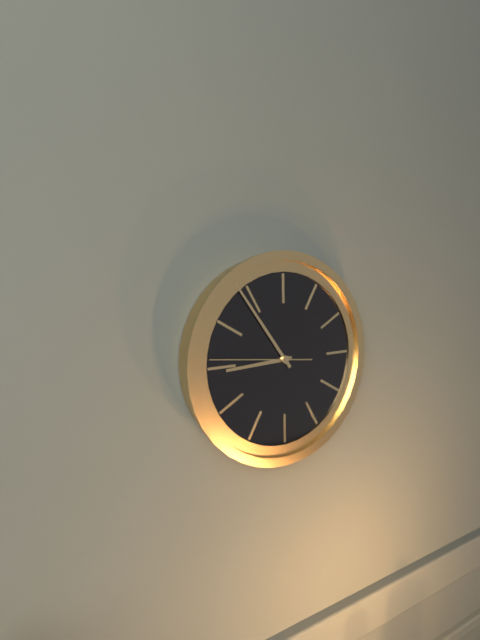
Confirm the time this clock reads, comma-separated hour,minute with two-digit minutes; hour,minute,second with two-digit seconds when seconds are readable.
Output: 8,54,46
